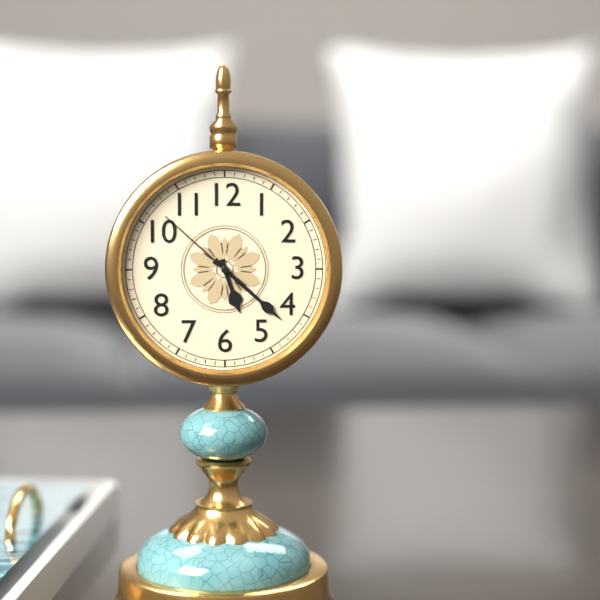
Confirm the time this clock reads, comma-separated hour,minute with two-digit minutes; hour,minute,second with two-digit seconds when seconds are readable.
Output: 5,22,52
